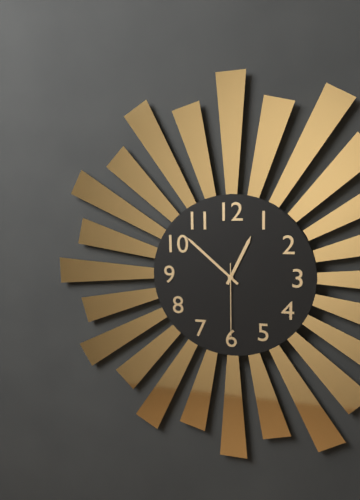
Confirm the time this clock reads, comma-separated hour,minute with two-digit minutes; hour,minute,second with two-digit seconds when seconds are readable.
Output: 12,52,30
